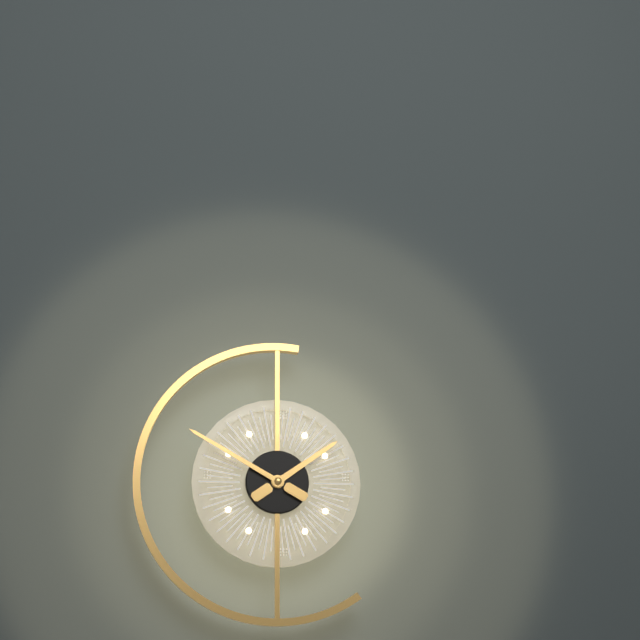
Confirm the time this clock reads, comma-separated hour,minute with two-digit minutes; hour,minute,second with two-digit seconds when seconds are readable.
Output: 1,50
